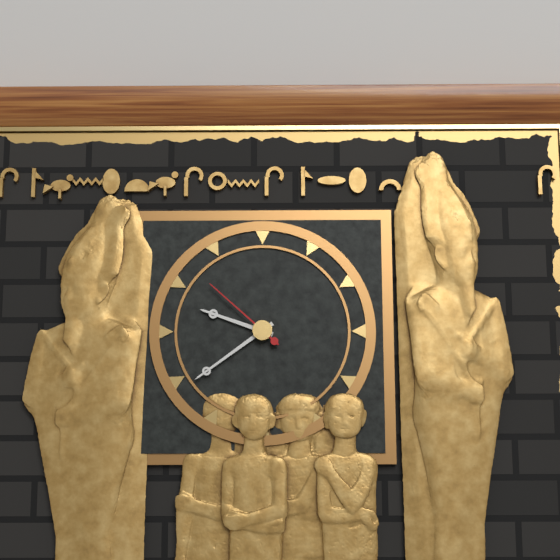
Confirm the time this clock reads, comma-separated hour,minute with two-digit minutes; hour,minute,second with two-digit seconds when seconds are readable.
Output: 9,39,52
